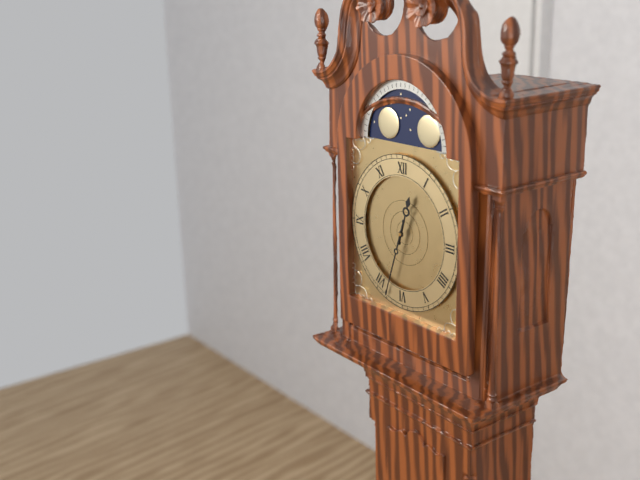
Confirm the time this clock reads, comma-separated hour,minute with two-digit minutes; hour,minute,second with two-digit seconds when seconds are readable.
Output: 12,33
